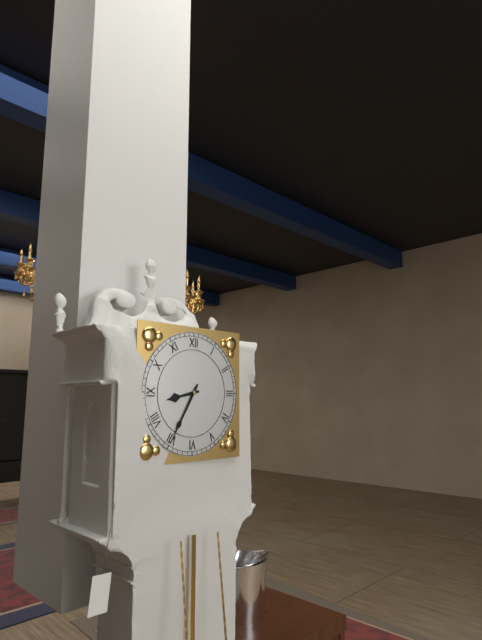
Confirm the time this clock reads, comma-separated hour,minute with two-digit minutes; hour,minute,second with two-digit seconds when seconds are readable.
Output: 8,35
